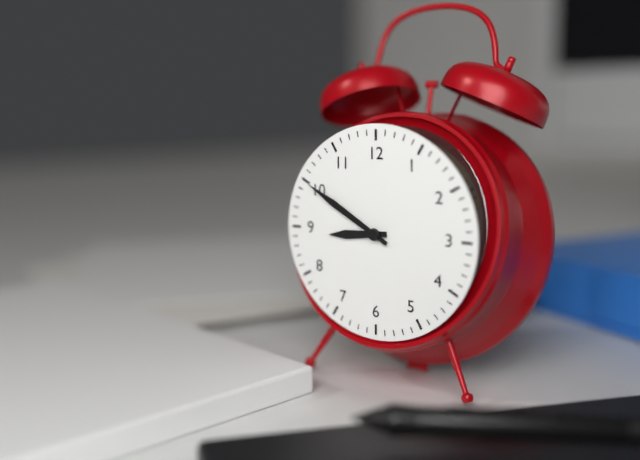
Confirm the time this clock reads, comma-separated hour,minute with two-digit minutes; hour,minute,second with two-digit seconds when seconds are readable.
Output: 8,50
